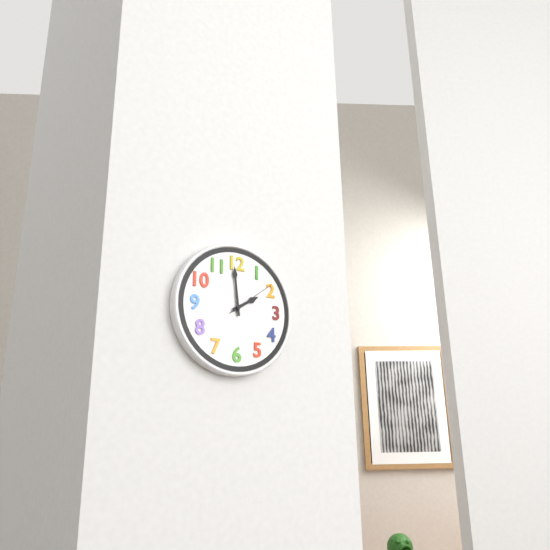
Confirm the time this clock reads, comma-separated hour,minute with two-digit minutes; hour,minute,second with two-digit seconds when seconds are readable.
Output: 1,59,09
